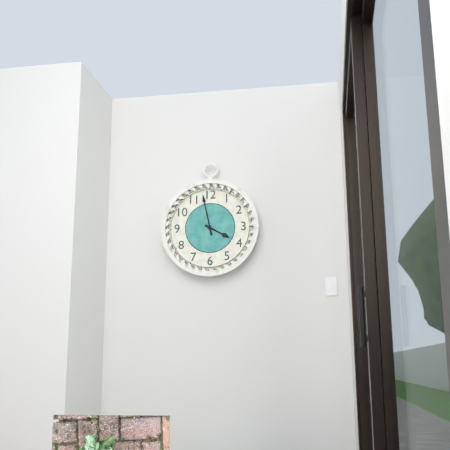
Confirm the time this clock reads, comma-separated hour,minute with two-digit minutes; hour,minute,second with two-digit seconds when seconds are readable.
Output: 3,58
